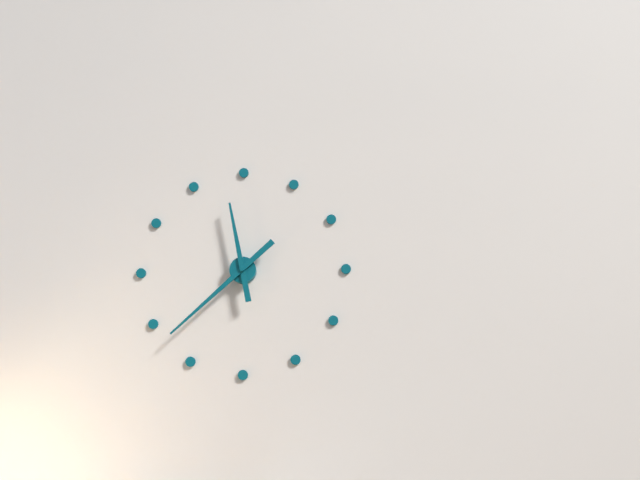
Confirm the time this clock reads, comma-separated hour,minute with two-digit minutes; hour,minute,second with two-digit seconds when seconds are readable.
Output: 11,38
